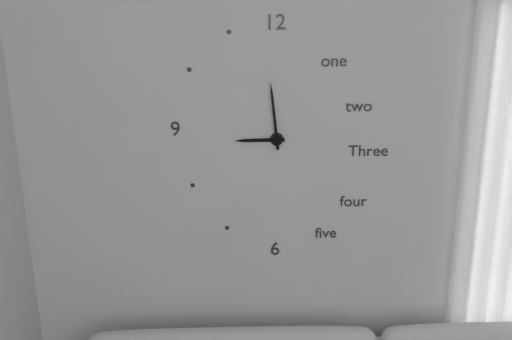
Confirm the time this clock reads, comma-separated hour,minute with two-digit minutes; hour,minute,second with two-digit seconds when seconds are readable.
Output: 8,59
